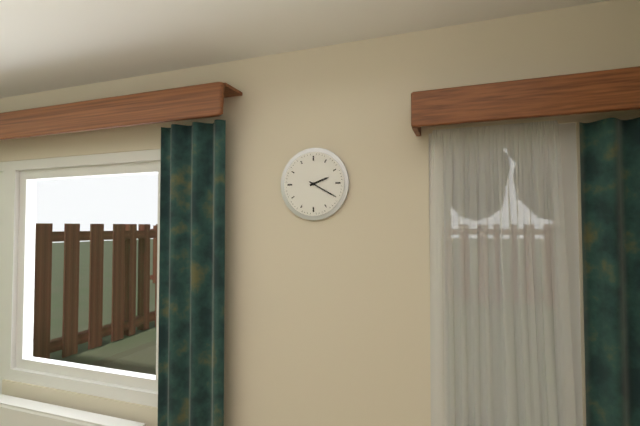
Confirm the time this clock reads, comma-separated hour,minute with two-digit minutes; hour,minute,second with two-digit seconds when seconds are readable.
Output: 2,20
